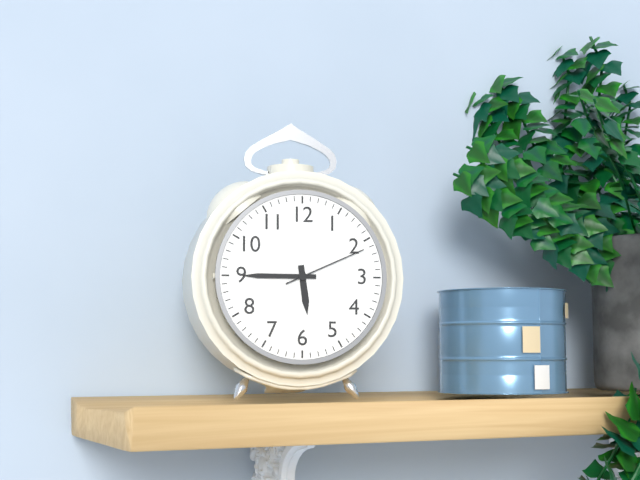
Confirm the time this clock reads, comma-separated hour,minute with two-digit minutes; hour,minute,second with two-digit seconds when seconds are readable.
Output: 5,45,11
